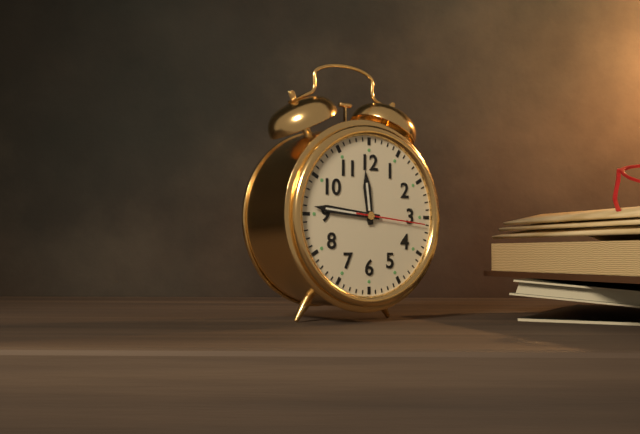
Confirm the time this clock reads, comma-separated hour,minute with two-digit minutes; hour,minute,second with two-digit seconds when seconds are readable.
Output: 11,46,16
